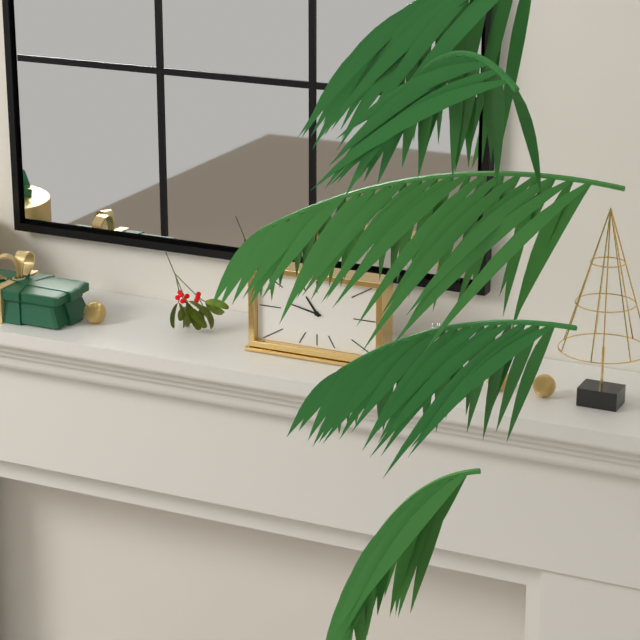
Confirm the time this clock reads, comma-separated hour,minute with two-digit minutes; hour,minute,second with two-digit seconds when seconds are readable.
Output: 10,47
